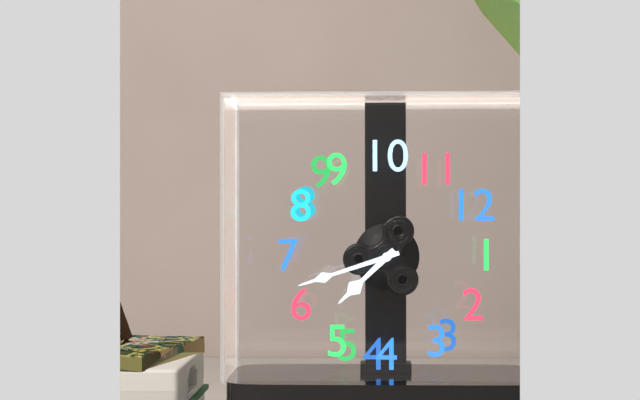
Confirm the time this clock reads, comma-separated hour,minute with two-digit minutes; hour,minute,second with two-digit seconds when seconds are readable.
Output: 5,32
